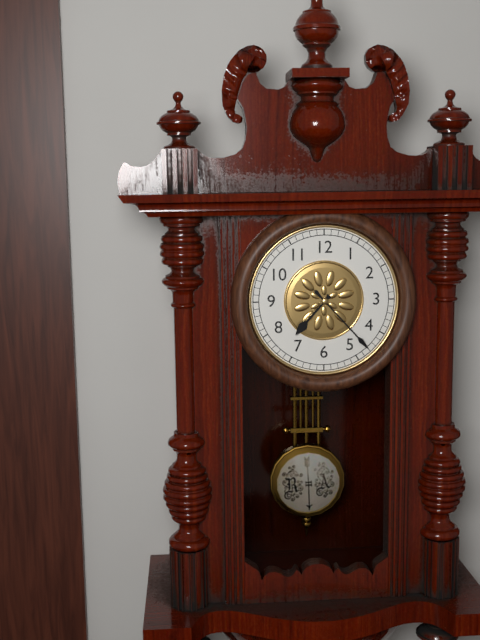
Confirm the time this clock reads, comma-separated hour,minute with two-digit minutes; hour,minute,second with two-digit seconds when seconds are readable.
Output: 7,23
